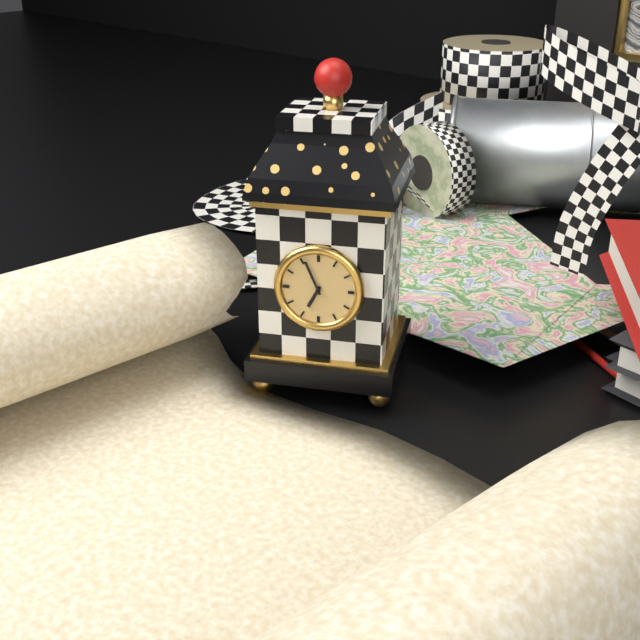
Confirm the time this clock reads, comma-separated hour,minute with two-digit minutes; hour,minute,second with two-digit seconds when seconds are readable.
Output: 6,56
